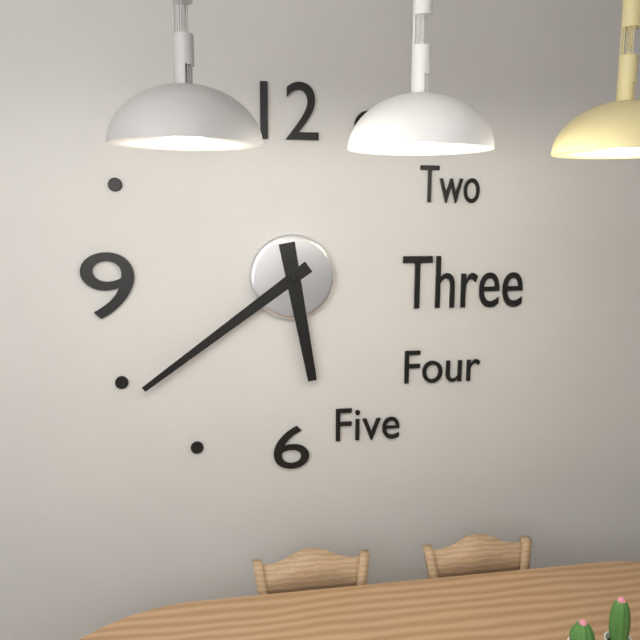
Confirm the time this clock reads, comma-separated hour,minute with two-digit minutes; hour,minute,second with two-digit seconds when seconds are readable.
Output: 5,39
